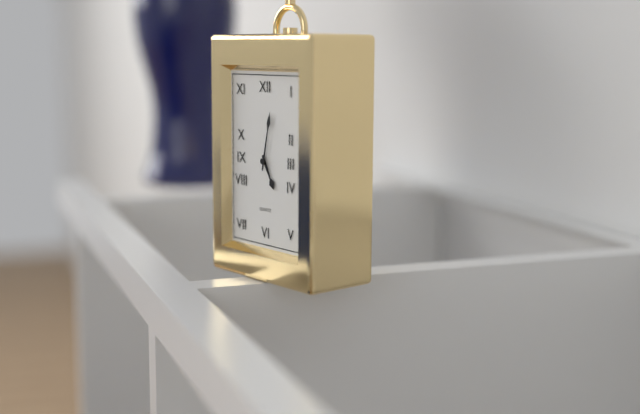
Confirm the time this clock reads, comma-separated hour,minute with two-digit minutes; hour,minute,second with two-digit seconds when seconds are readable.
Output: 5,02
